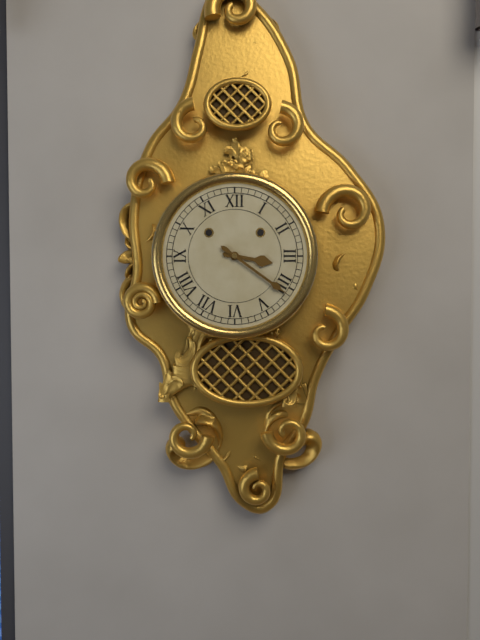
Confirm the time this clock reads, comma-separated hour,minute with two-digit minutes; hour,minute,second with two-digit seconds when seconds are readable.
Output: 3,21
